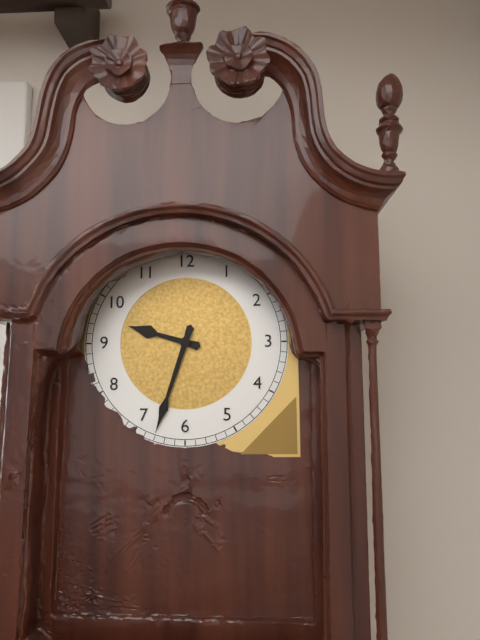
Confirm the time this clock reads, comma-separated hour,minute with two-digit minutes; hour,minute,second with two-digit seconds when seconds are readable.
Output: 9,33
